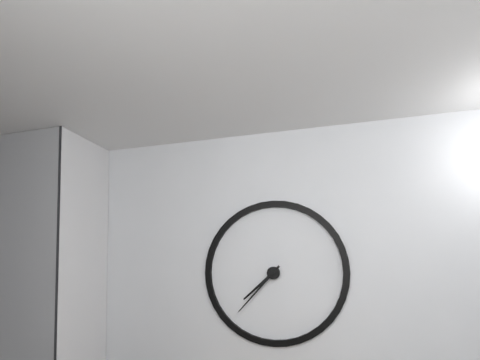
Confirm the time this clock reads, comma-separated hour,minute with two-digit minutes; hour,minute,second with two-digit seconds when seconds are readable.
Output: 7,37
